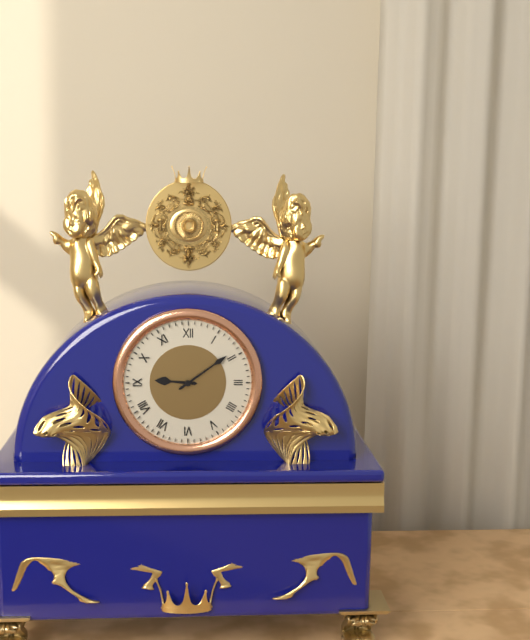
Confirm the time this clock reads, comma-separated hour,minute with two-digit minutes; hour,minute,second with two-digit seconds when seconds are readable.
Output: 9,09
